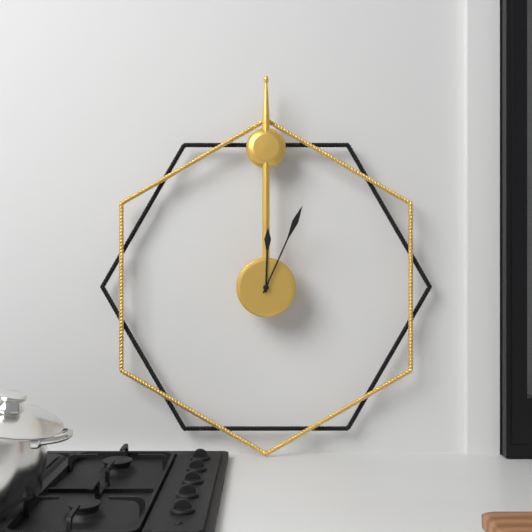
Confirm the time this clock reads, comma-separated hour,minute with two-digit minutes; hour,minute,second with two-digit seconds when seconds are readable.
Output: 12,04
